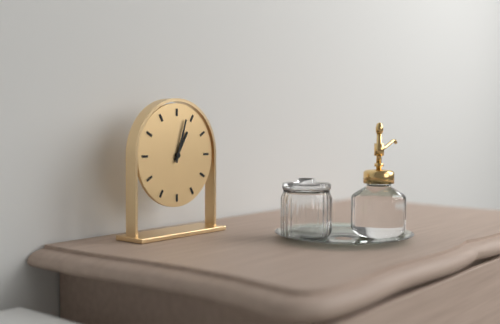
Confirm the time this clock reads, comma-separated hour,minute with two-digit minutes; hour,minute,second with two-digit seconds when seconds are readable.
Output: 1,03
